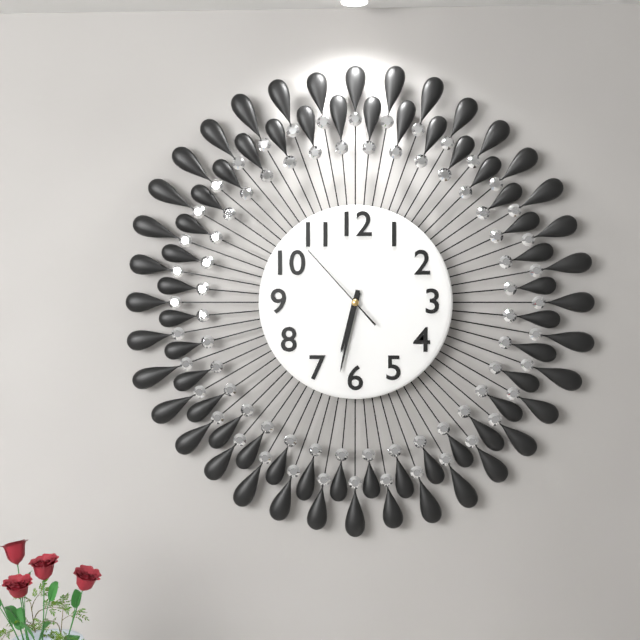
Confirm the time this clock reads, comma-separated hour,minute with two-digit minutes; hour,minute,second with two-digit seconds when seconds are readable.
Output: 6,32,53
